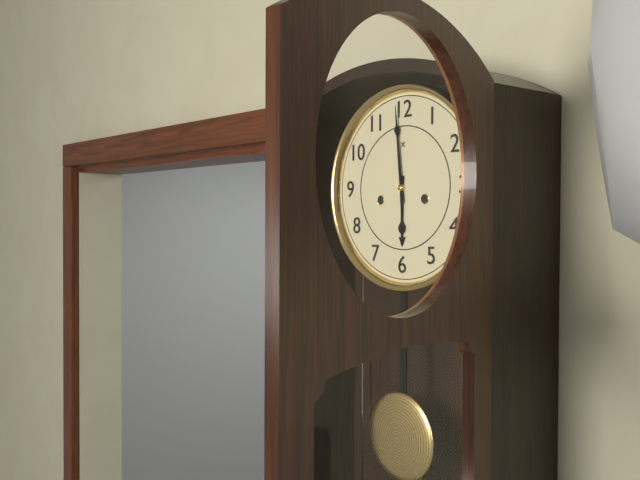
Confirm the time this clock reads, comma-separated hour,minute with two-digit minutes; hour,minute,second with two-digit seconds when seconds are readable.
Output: 5,59
